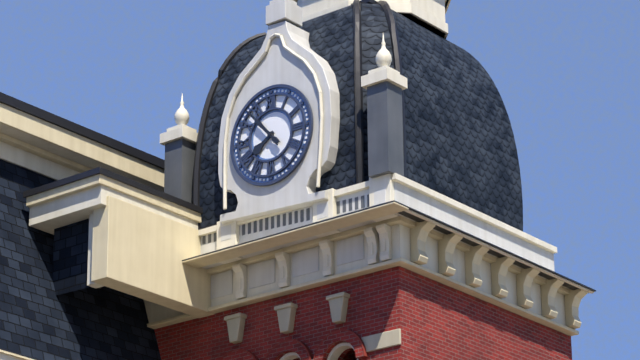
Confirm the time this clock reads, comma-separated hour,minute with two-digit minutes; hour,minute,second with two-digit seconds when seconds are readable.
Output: 7,53
